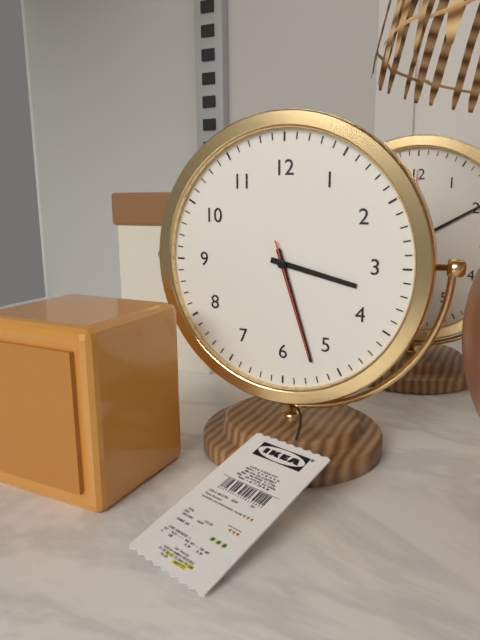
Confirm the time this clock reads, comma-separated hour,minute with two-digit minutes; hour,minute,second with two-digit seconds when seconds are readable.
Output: 3,27,27
